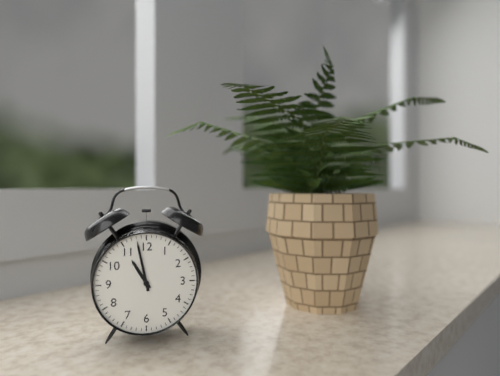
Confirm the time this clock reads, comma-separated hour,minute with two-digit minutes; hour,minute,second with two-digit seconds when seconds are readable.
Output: 10,58
